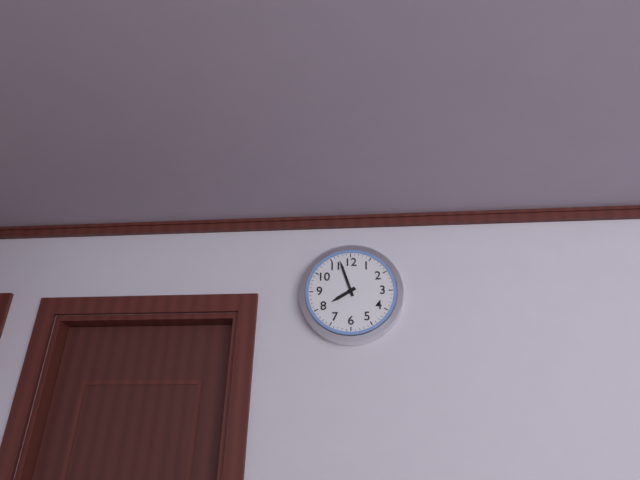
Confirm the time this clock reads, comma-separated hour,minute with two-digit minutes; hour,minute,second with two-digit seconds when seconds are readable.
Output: 7,57
